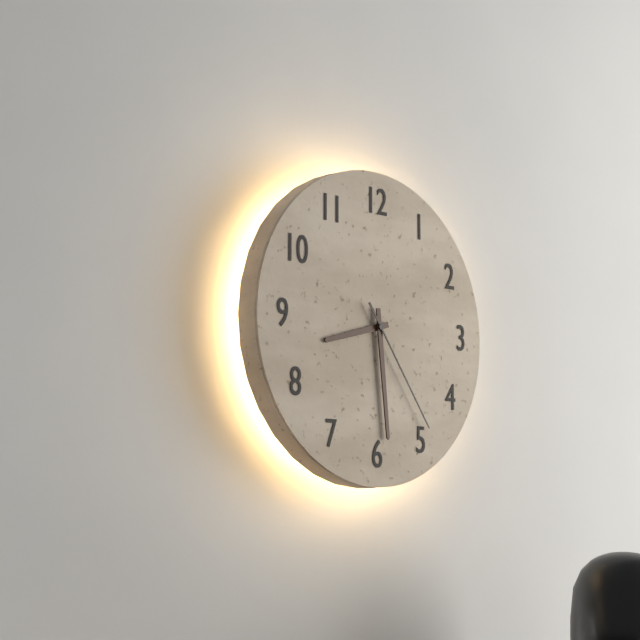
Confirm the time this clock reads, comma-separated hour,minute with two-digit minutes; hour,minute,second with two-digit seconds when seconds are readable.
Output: 8,29,24
